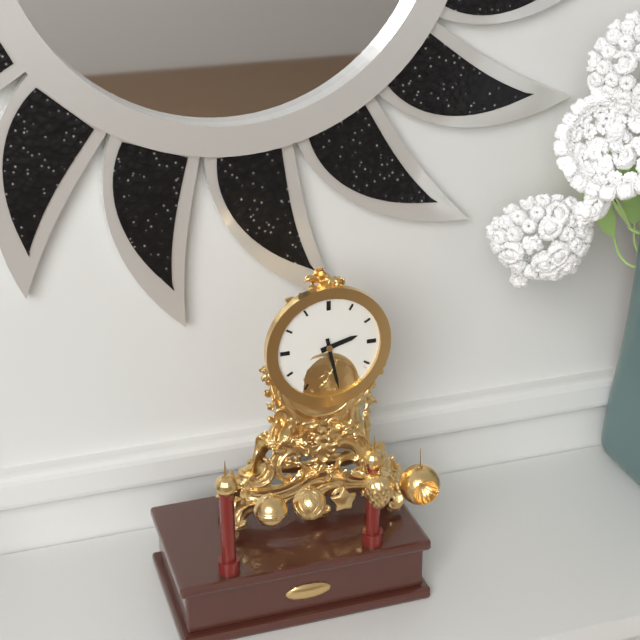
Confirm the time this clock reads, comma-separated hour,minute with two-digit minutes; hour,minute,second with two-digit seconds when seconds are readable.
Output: 2,28
